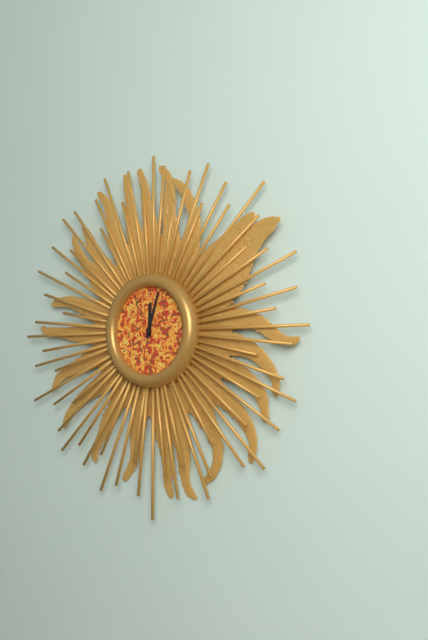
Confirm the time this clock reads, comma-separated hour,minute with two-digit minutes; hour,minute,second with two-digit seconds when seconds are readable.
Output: 12,03
